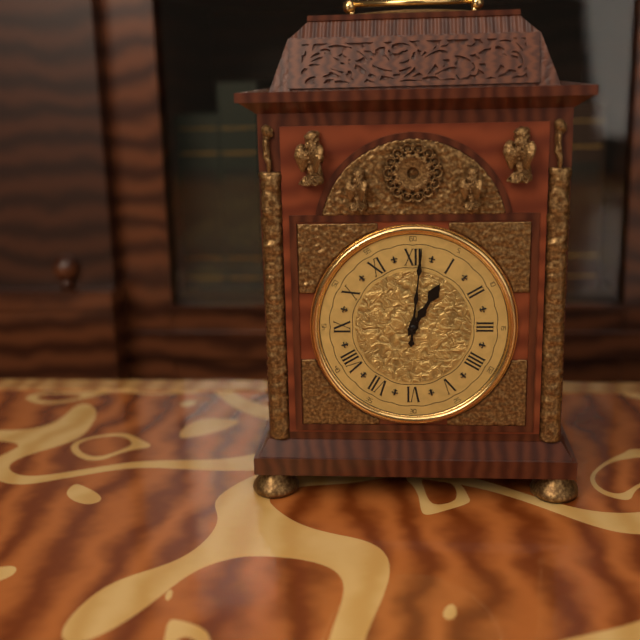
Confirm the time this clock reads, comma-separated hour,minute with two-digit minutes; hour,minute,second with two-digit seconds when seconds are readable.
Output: 1,01
